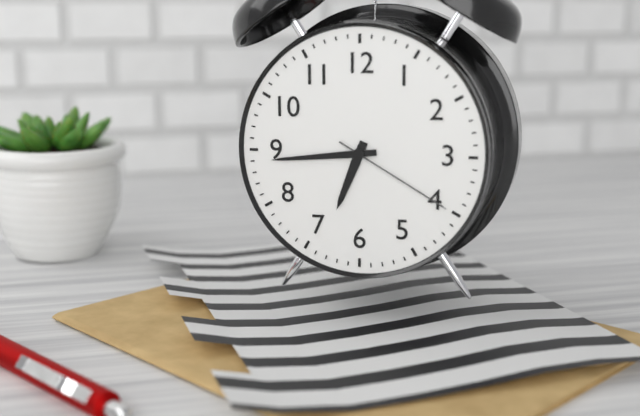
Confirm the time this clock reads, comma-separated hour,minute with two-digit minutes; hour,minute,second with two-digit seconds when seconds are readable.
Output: 6,44,20
